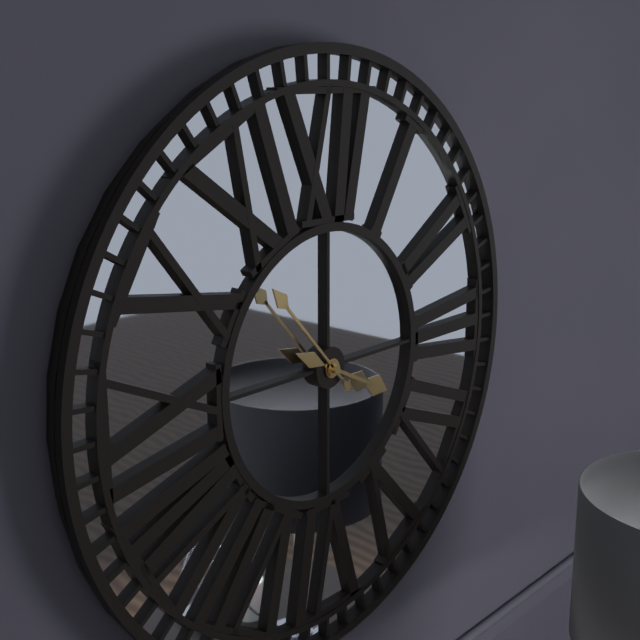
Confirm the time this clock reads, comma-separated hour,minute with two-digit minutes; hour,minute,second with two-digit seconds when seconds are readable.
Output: 3,53
